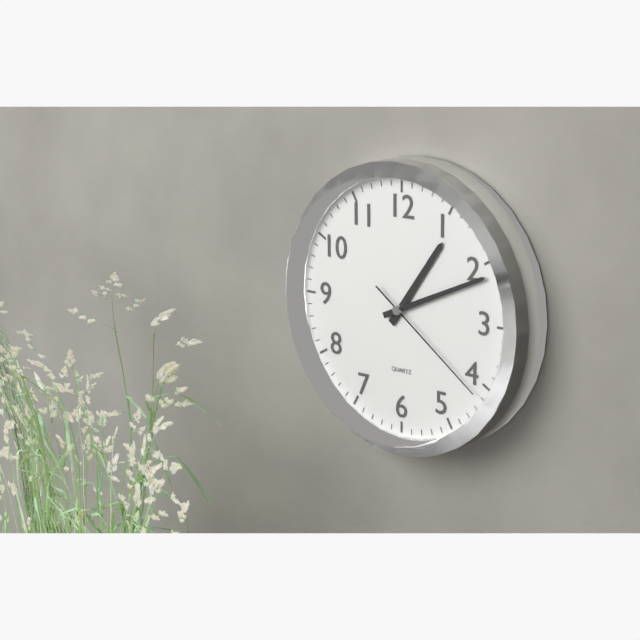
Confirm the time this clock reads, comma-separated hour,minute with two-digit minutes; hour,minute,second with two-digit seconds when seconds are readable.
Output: 1,11,21
